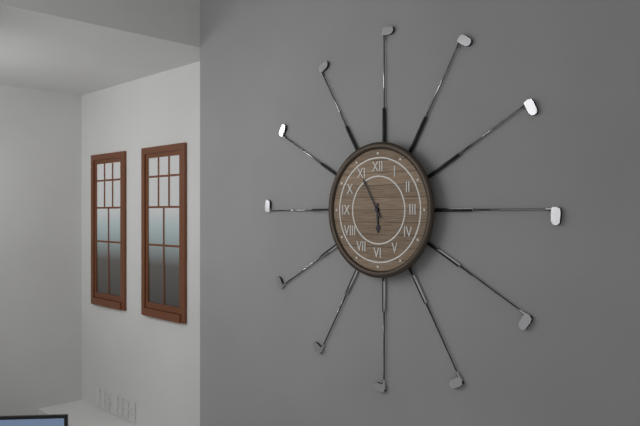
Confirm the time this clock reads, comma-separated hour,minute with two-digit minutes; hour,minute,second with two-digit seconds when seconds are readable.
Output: 5,55
